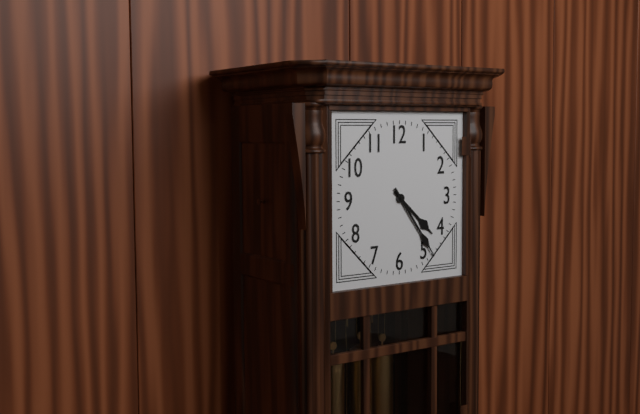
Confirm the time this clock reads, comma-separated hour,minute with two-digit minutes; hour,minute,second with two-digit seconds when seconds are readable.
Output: 4,24
